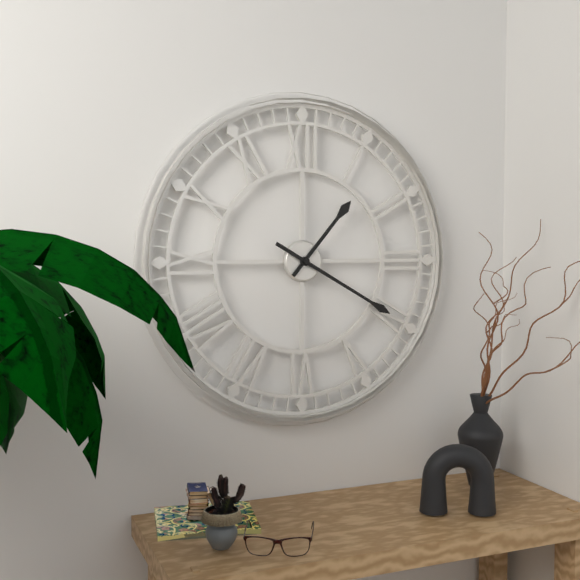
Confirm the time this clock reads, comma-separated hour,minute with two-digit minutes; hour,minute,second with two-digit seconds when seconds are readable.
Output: 1,20
